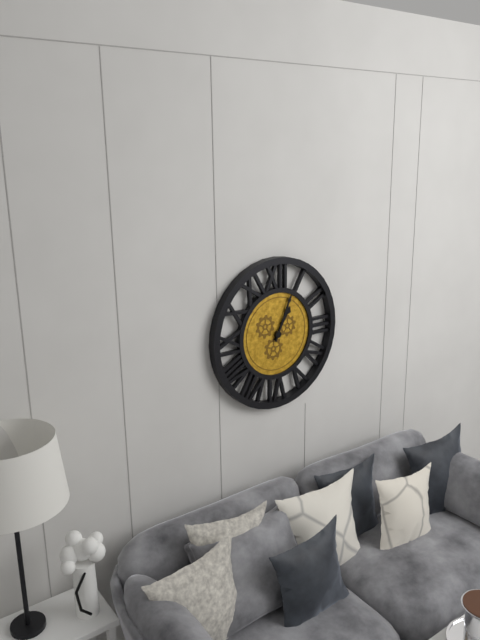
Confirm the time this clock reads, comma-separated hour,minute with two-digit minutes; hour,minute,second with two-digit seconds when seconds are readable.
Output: 1,04
